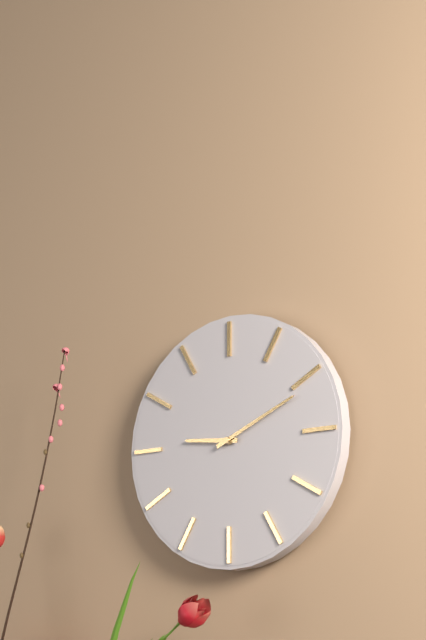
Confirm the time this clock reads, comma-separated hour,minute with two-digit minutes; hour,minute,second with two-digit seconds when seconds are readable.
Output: 9,11
